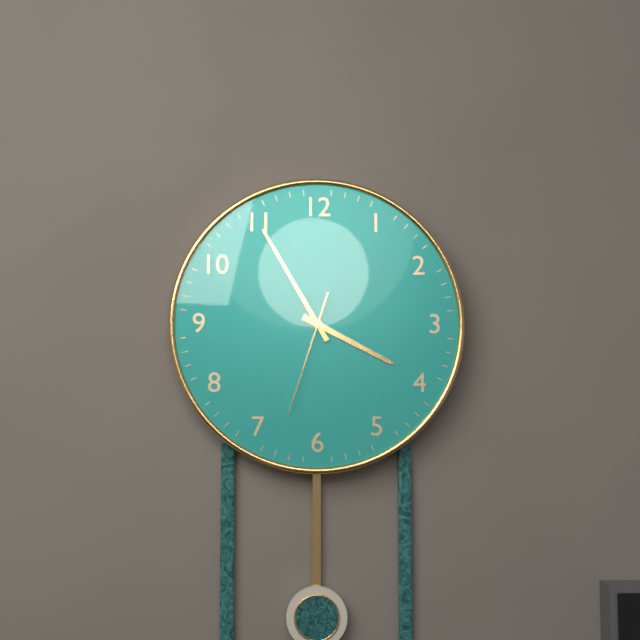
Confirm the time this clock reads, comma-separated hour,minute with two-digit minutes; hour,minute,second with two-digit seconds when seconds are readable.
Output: 3,55,33
